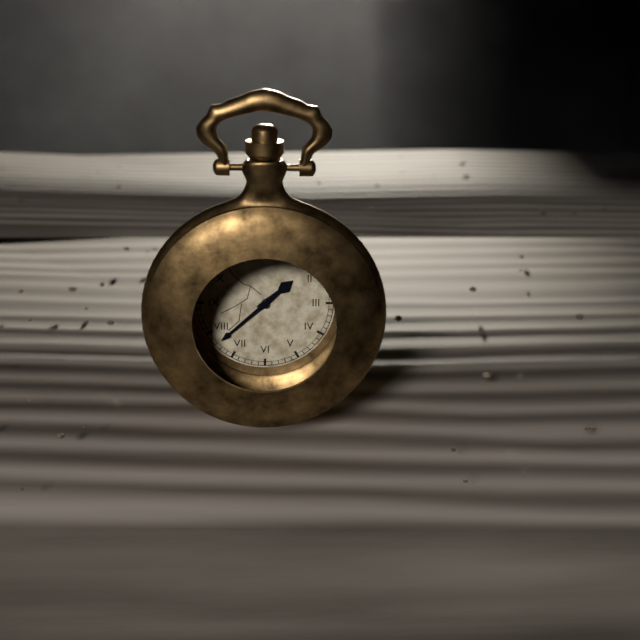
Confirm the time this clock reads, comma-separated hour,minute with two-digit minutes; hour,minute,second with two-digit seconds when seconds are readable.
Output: 1,38
